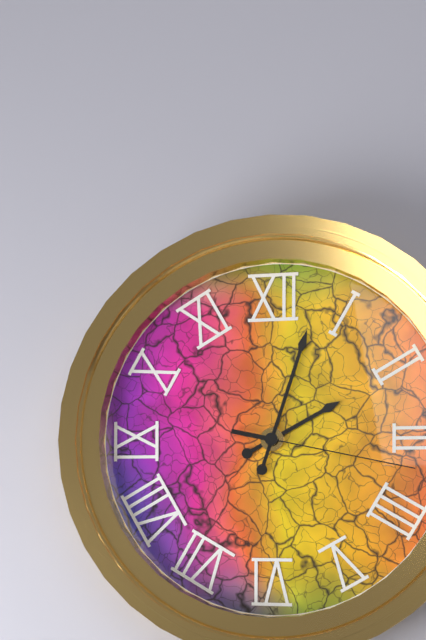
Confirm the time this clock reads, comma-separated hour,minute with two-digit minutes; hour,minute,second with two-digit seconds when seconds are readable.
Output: 2,03,17
